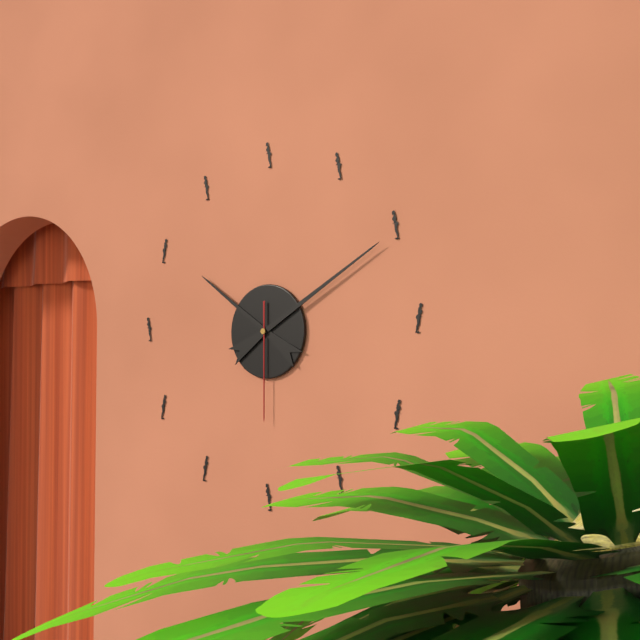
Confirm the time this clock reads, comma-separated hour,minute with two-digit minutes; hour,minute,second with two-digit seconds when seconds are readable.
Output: 10,10,30
